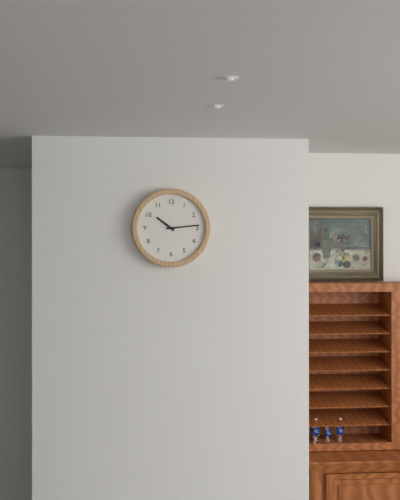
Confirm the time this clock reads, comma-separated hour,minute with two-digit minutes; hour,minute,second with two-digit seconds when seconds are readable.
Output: 10,14
